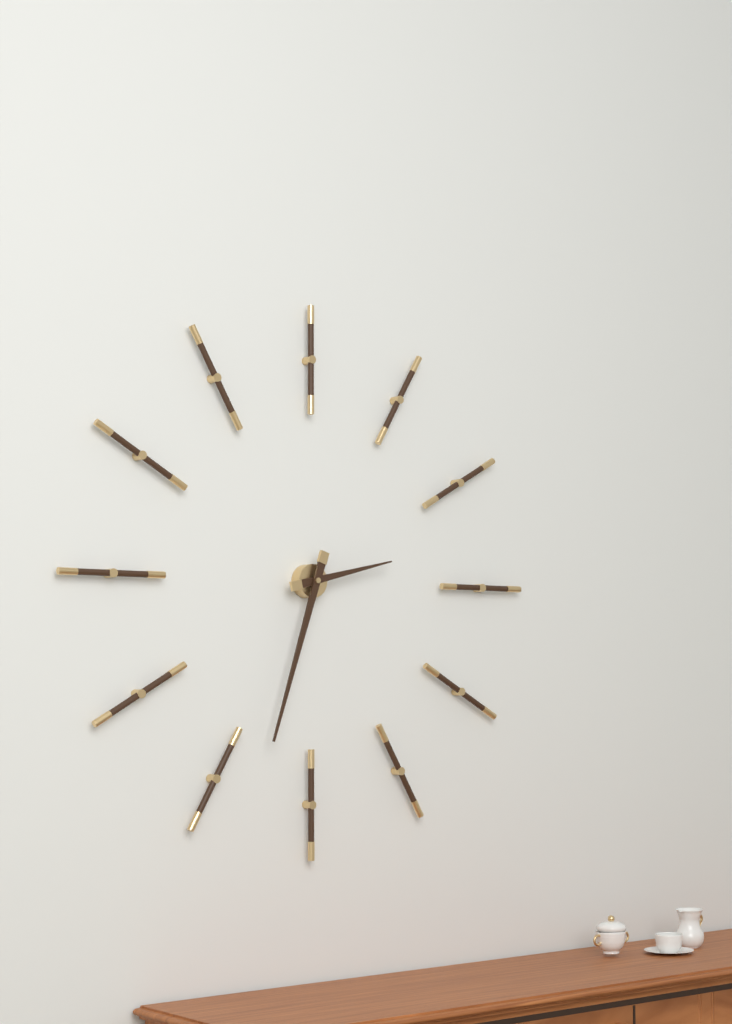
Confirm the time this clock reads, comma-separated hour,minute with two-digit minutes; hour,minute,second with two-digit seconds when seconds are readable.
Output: 2,33
